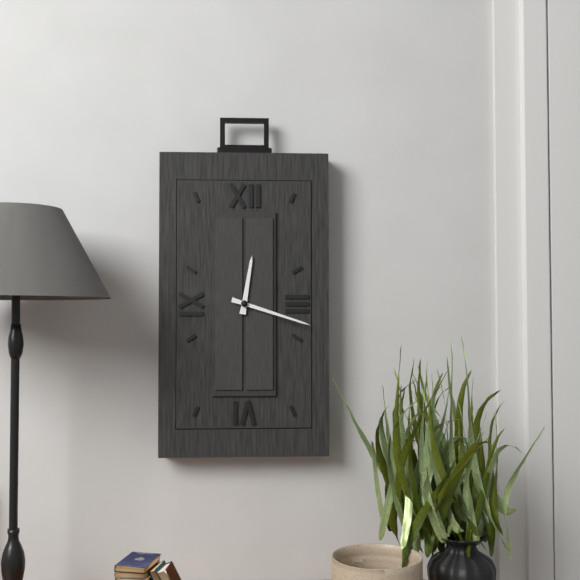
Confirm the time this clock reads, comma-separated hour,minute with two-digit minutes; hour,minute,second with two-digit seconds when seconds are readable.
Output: 12,18
